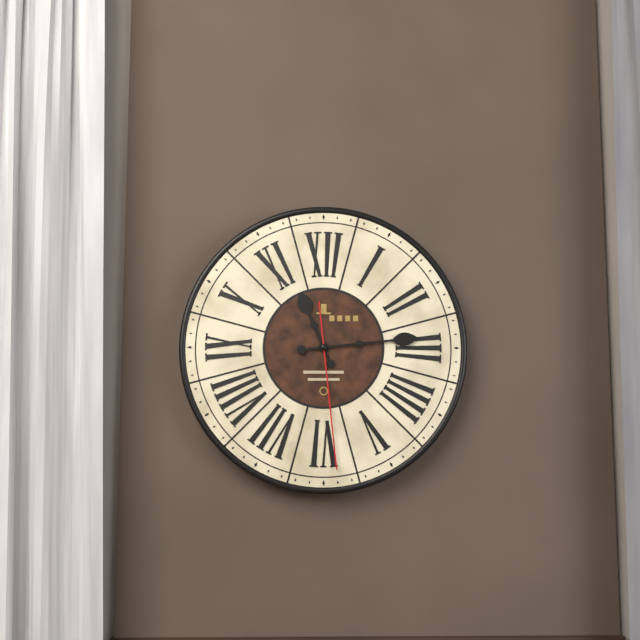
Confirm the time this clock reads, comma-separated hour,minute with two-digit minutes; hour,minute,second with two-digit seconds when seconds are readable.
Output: 11,14,29
